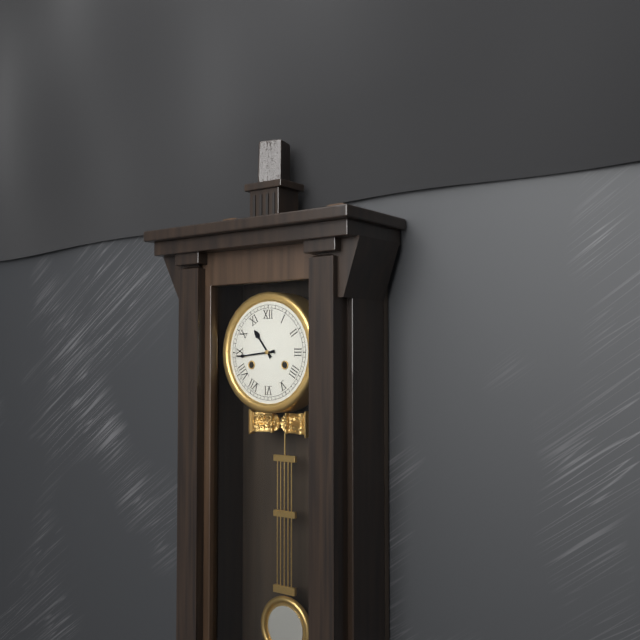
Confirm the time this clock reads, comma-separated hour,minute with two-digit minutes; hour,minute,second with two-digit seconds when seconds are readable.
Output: 10,44
